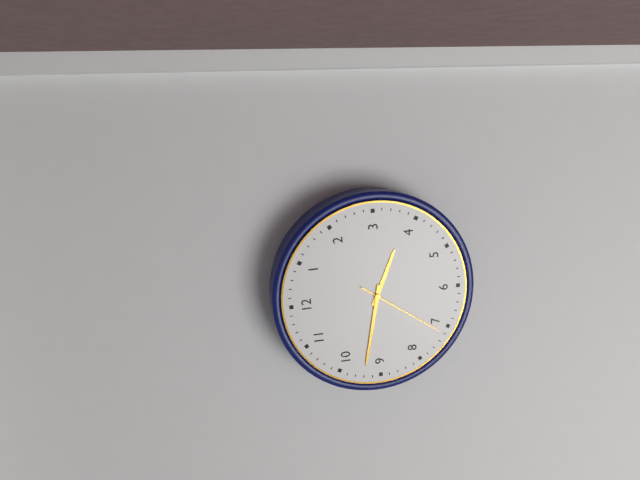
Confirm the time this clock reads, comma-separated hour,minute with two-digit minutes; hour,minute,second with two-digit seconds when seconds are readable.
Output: 3,47,36
